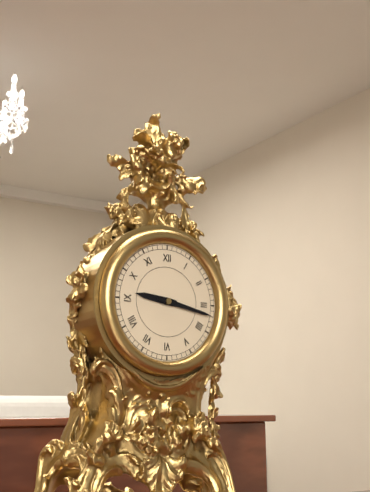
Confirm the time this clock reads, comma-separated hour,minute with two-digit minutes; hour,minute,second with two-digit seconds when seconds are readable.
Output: 9,17
